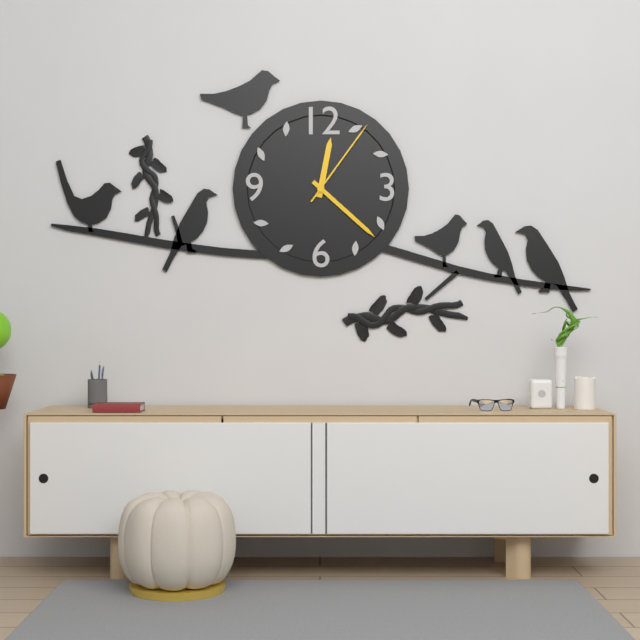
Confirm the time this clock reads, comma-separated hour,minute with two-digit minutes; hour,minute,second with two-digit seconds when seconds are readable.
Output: 12,22,06
